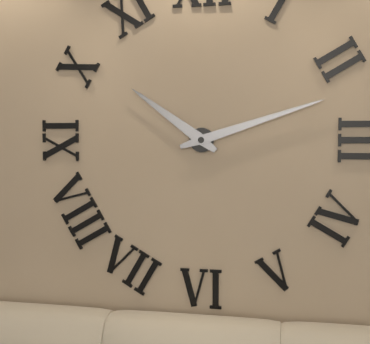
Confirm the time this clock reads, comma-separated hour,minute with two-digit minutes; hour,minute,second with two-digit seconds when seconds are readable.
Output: 10,12
